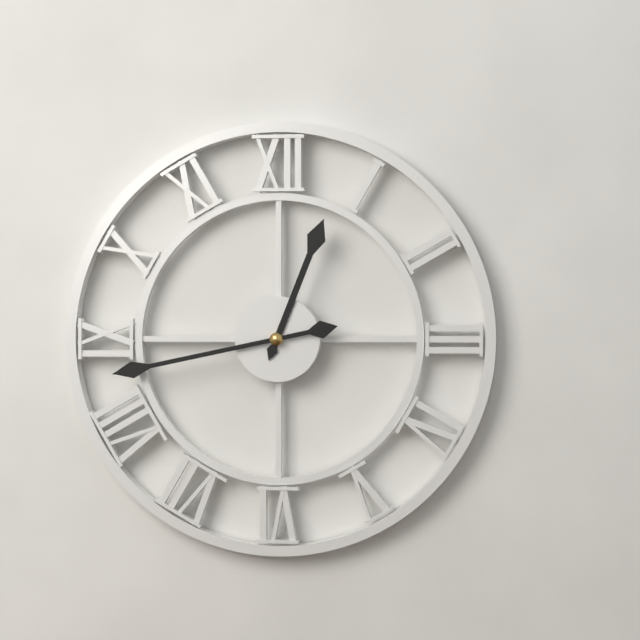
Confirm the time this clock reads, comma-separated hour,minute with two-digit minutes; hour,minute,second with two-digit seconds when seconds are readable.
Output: 12,43
